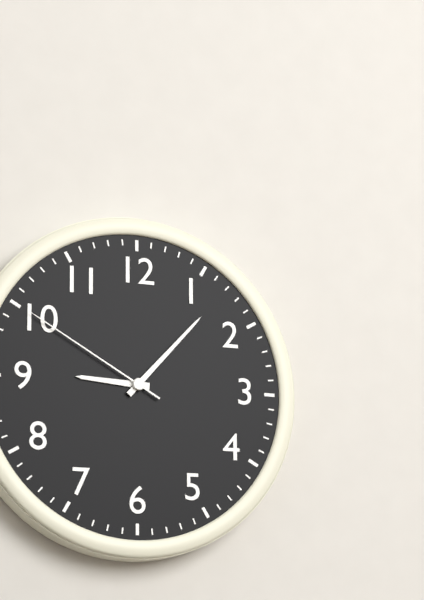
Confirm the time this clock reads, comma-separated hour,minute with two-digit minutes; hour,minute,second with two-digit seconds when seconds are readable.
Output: 9,07,50
